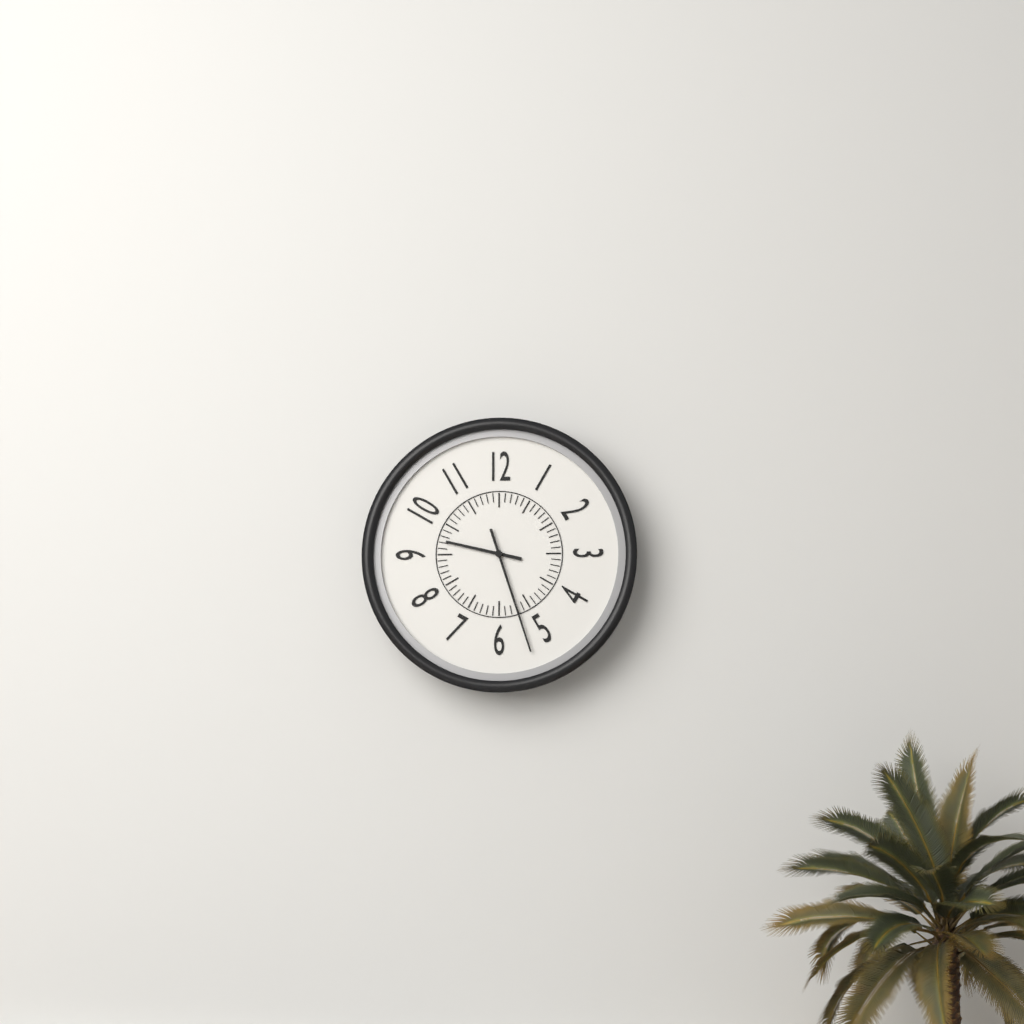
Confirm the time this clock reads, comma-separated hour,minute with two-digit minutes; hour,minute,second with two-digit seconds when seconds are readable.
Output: 9,27
